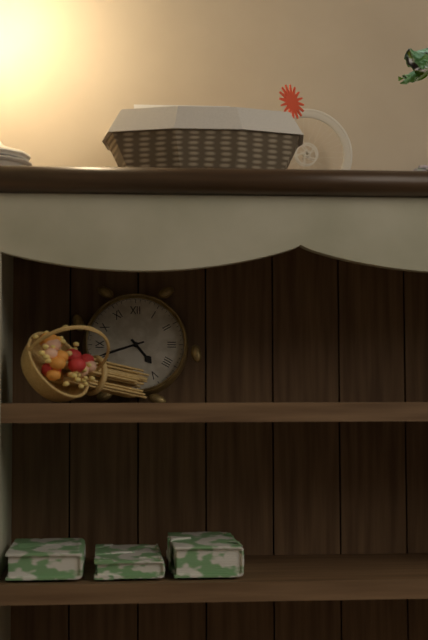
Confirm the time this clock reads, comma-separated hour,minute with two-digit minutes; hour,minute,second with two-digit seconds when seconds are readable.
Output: 4,42
